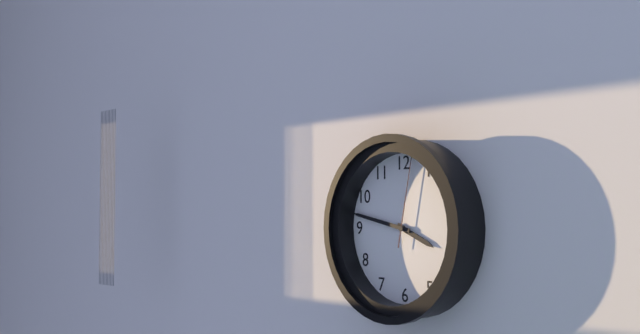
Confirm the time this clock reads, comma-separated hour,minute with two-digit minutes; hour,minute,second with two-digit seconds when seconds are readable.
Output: 3,47,02
